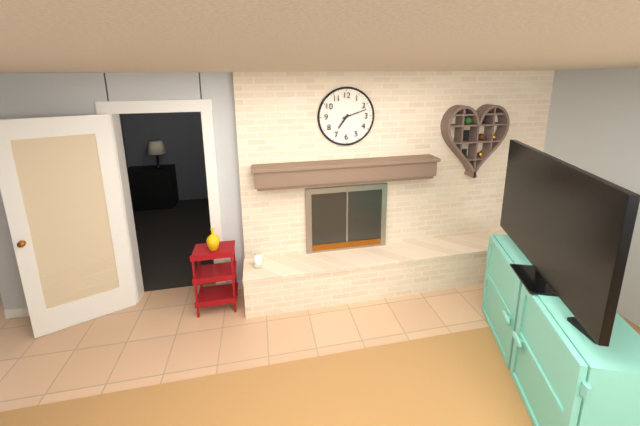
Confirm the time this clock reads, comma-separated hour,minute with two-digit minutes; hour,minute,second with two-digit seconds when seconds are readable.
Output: 7,12
